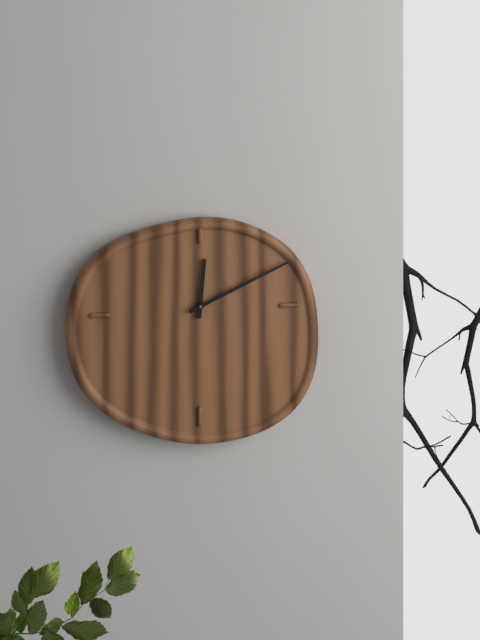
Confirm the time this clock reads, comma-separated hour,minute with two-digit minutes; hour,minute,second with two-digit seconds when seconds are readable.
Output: 12,11
